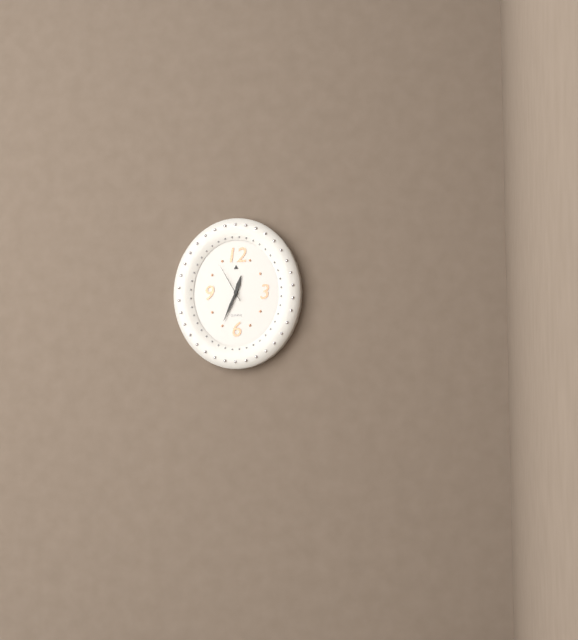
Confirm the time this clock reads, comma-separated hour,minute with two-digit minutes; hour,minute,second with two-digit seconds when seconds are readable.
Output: 12,34
